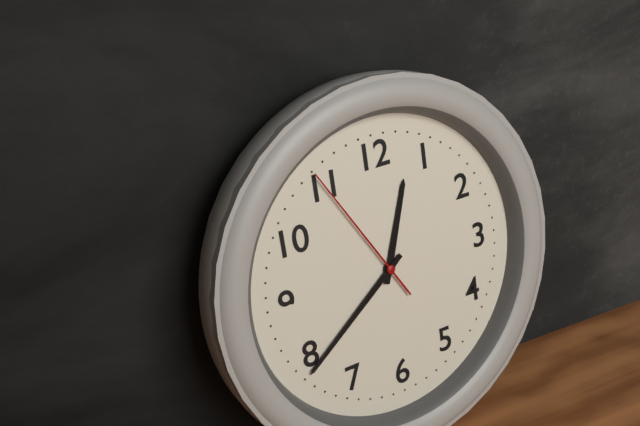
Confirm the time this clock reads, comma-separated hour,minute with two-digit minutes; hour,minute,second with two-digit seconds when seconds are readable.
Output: 12,39,55
